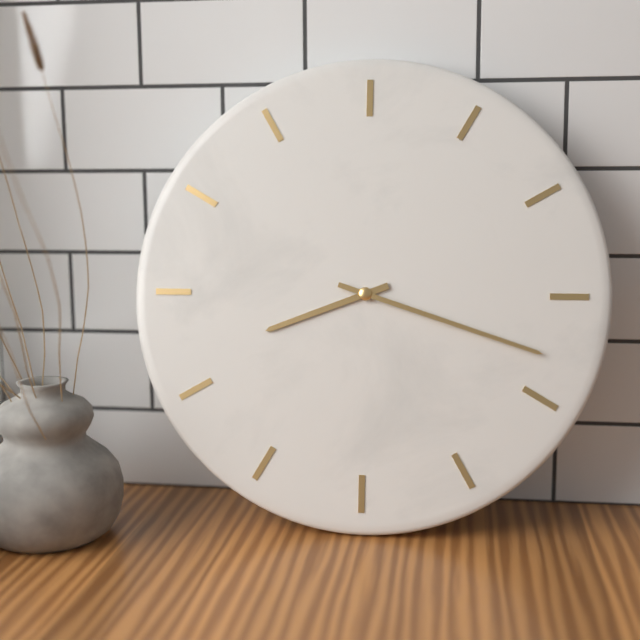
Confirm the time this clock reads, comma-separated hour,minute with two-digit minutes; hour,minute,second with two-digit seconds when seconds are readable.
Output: 8,18
